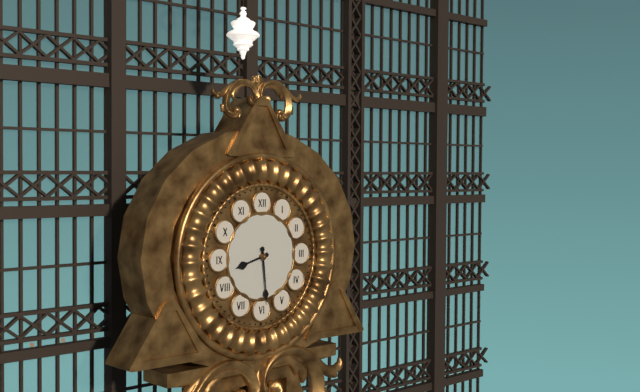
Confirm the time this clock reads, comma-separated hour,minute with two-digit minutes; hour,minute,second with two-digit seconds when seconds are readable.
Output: 8,29
